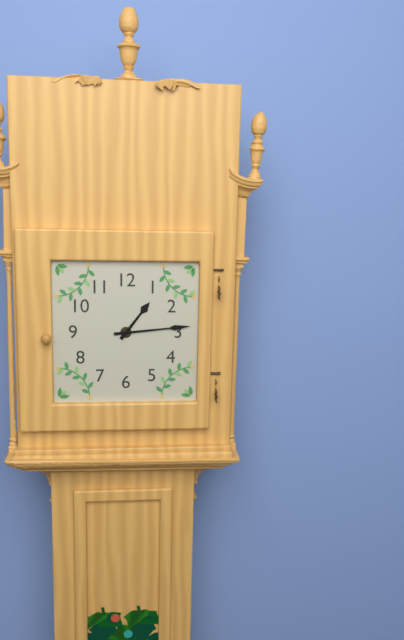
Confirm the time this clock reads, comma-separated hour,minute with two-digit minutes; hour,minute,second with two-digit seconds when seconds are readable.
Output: 1,14
